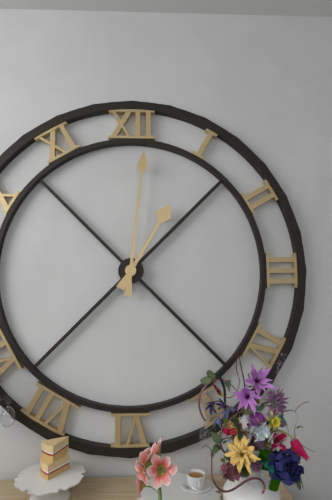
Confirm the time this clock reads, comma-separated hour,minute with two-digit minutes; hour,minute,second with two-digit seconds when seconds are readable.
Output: 1,01
